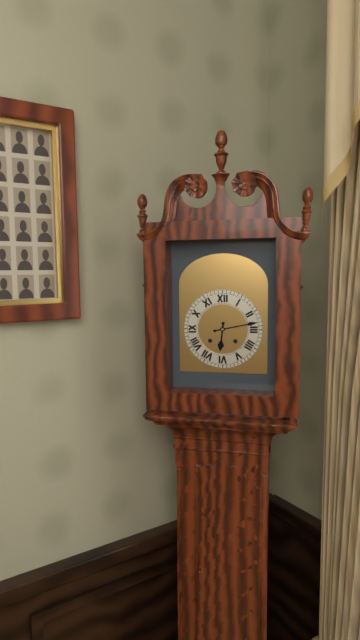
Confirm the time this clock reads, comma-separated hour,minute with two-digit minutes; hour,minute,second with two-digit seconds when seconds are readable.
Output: 6,13
